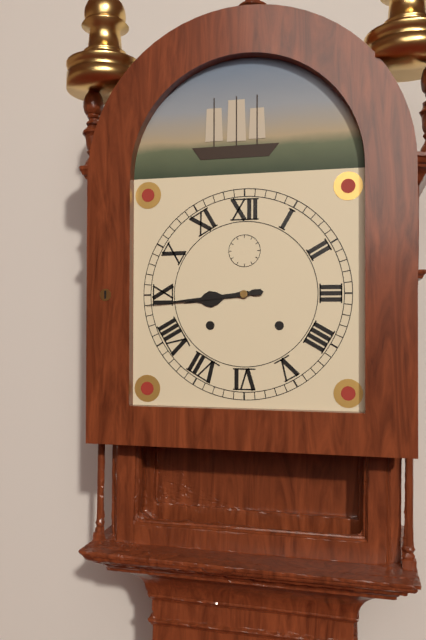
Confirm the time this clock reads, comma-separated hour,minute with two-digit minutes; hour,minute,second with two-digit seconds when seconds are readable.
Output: 8,44
